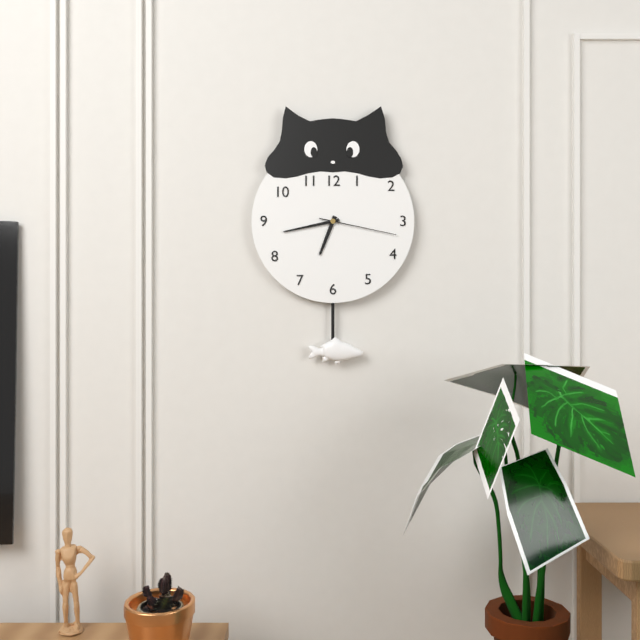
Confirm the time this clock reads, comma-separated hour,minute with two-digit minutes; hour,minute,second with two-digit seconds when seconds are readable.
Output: 6,43,17
